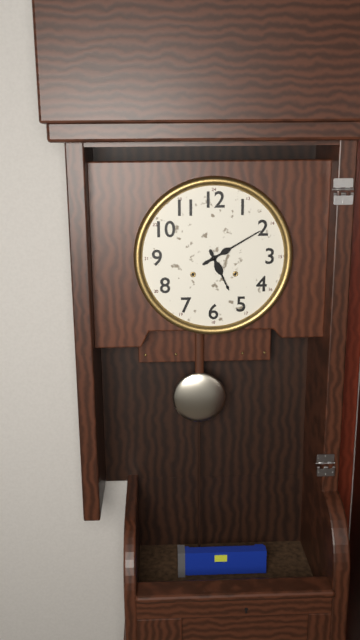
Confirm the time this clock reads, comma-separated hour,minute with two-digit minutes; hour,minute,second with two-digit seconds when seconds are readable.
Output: 5,10
